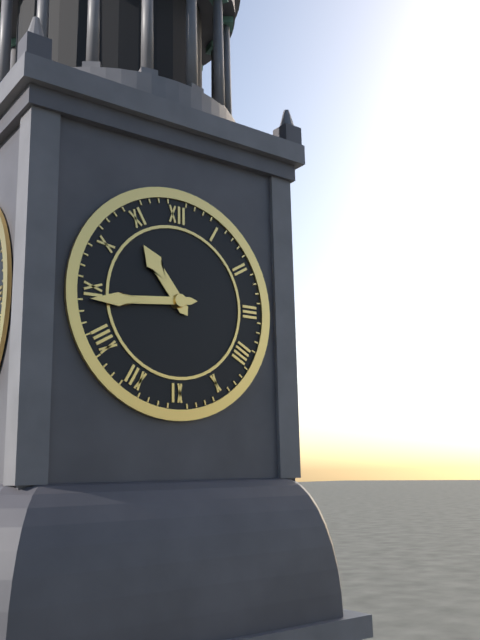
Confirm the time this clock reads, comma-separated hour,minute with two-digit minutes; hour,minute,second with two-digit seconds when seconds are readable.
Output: 10,44
